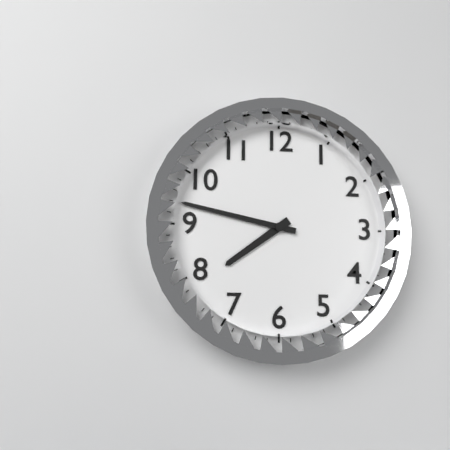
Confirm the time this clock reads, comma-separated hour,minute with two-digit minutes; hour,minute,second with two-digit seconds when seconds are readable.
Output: 7,47
